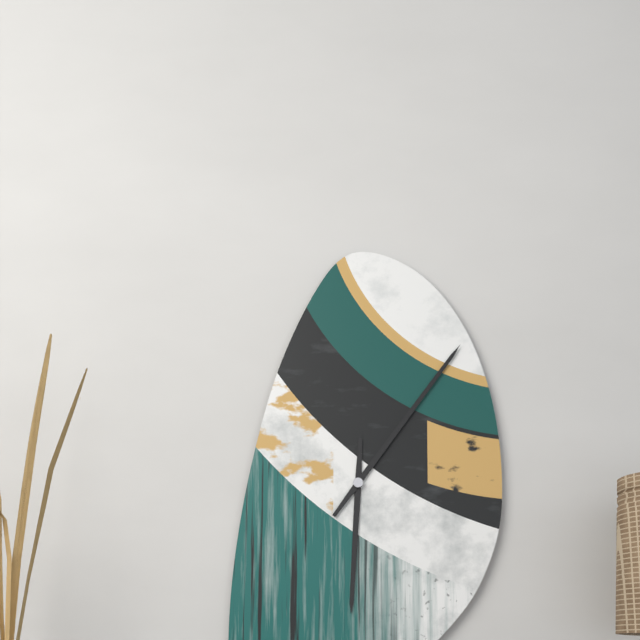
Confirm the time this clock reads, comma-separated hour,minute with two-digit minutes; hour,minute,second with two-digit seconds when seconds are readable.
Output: 6,06
